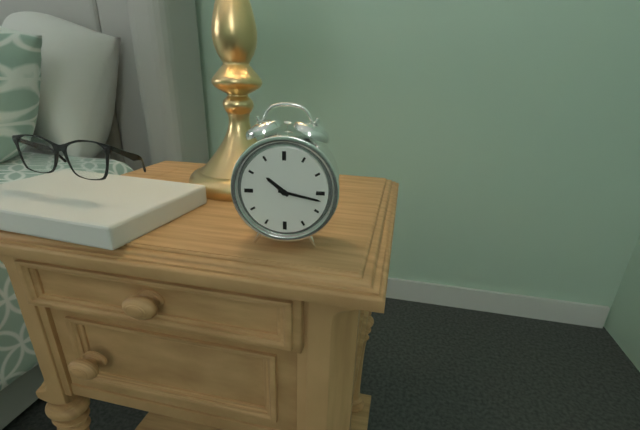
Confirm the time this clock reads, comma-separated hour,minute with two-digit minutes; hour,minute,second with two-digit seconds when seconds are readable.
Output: 10,17
